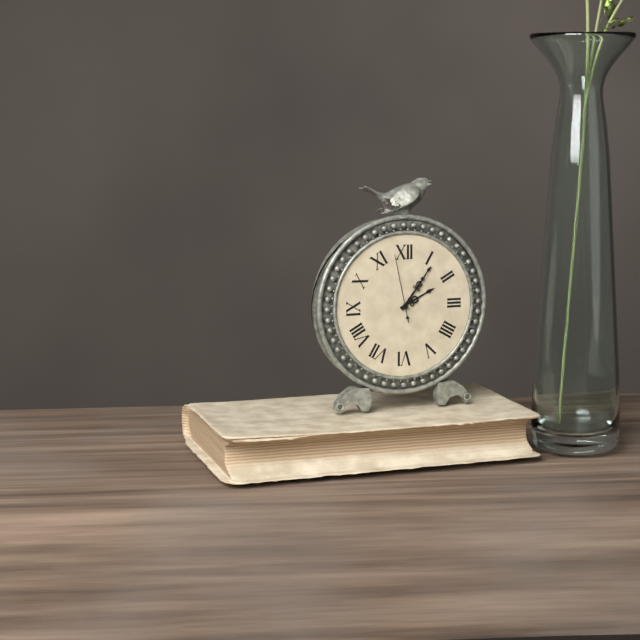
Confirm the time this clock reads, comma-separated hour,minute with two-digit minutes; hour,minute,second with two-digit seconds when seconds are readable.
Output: 2,06,58
